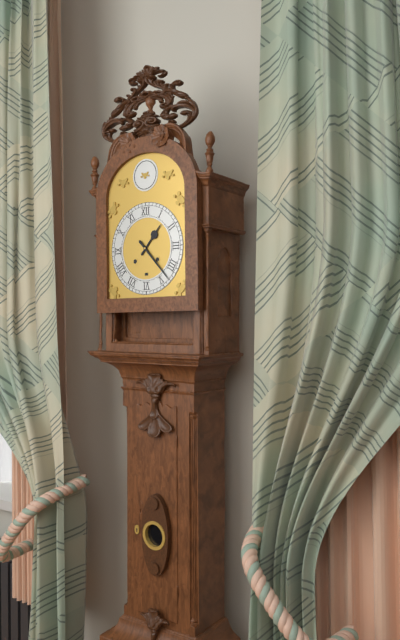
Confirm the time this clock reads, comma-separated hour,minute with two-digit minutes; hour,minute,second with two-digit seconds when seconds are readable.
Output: 1,23
